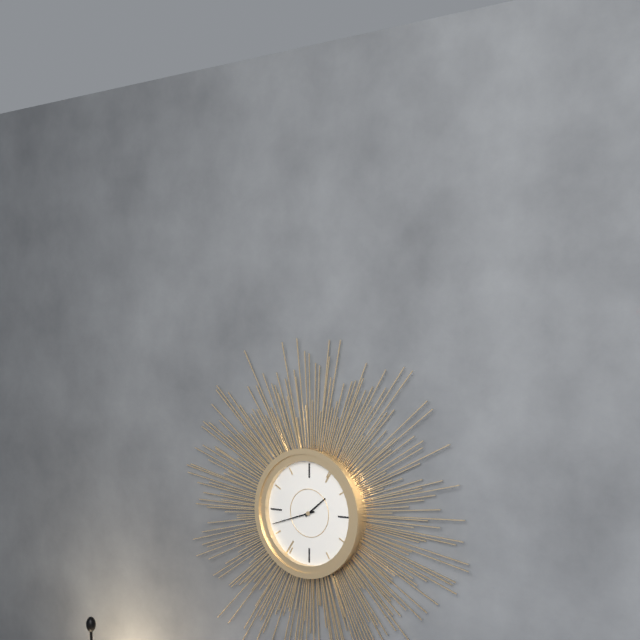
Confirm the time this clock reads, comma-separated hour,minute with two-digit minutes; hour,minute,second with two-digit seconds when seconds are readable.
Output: 1,42
